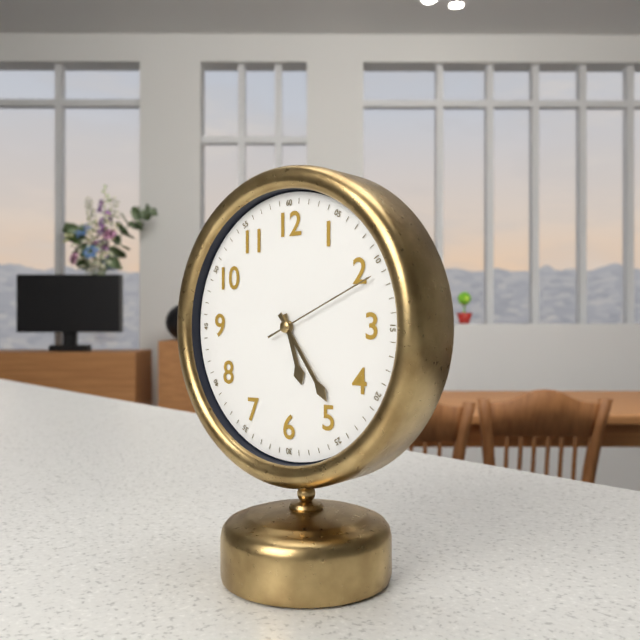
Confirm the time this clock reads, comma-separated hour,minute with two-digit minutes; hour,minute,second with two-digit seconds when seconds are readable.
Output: 5,24,11
